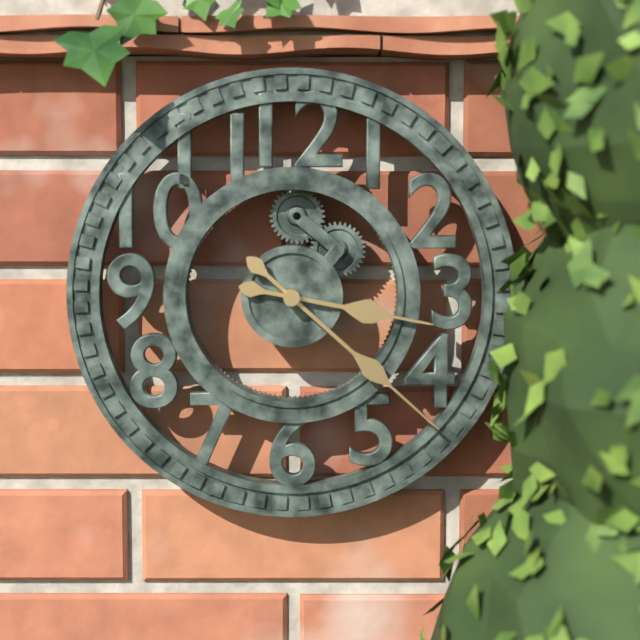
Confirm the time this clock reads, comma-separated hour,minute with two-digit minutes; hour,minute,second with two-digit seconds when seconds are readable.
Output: 3,22
